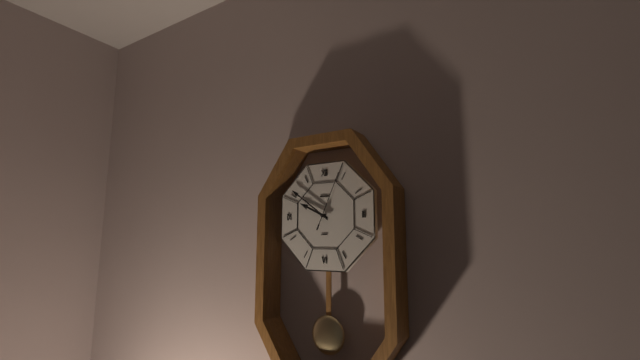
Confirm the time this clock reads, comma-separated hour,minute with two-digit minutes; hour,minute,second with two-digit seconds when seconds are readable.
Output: 9,51,04
